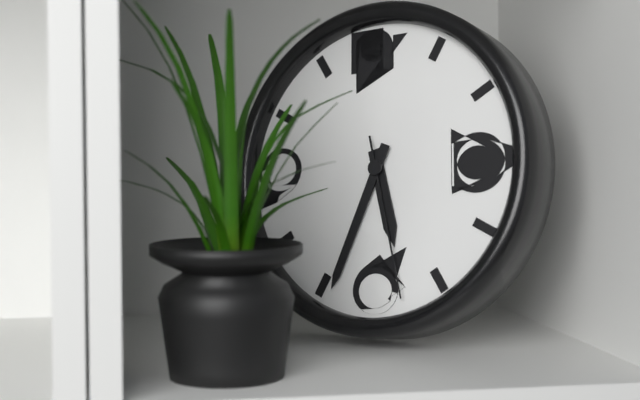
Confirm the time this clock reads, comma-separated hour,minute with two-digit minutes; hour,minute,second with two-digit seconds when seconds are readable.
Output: 5,34,28
